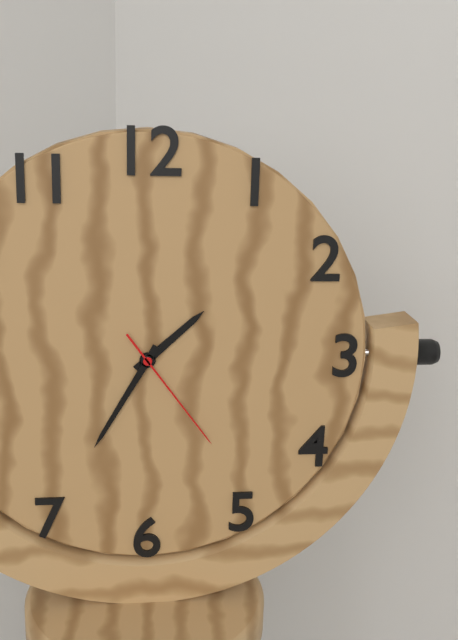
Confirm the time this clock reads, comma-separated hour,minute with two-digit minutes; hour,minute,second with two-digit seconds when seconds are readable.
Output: 1,35,24
